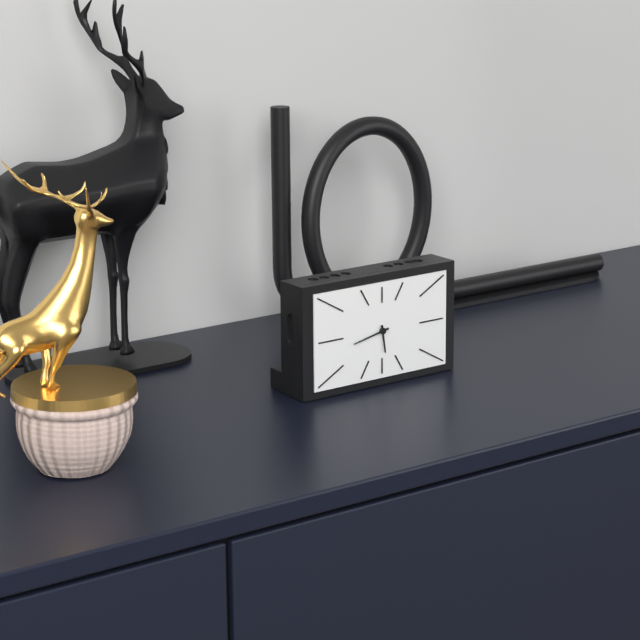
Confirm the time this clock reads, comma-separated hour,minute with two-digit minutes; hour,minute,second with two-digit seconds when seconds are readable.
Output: 5,43
